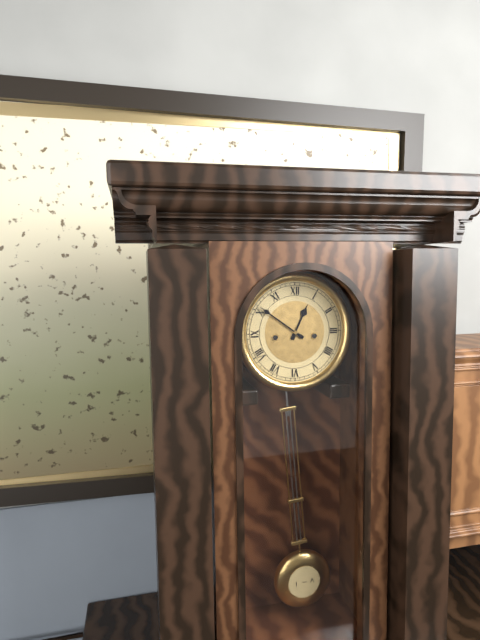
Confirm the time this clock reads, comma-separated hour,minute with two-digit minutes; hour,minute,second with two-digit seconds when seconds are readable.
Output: 12,51
